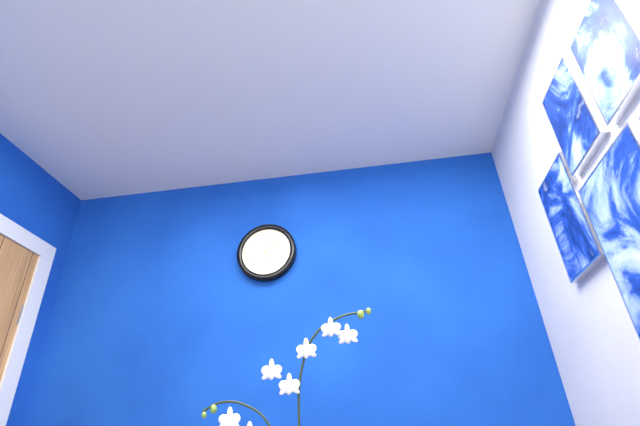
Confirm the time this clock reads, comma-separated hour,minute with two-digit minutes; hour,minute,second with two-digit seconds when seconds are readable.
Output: 6,08
